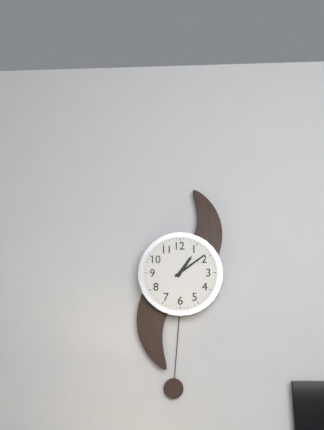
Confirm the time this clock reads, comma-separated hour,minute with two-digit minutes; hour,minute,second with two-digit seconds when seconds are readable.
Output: 1,09
